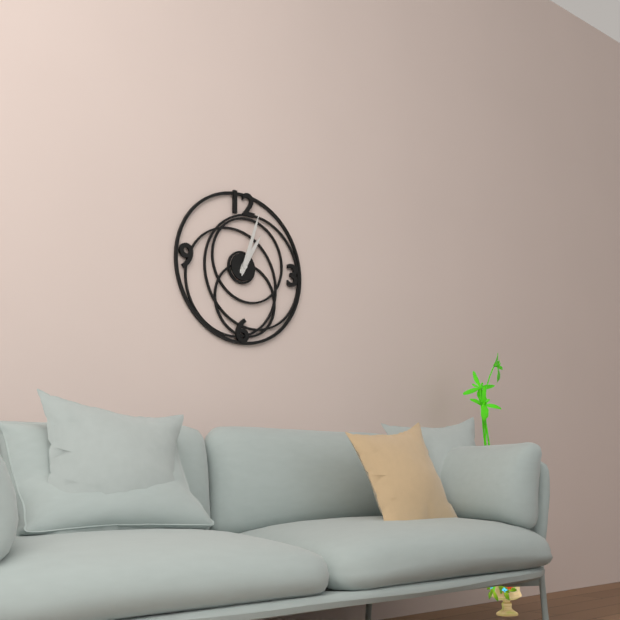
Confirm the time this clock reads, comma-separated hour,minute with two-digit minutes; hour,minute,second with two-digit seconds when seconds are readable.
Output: 1,03
